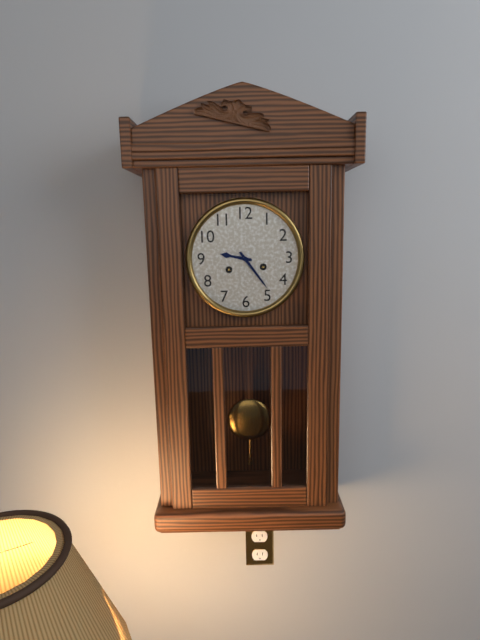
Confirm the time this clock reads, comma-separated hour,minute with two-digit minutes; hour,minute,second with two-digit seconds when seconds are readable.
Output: 9,24
